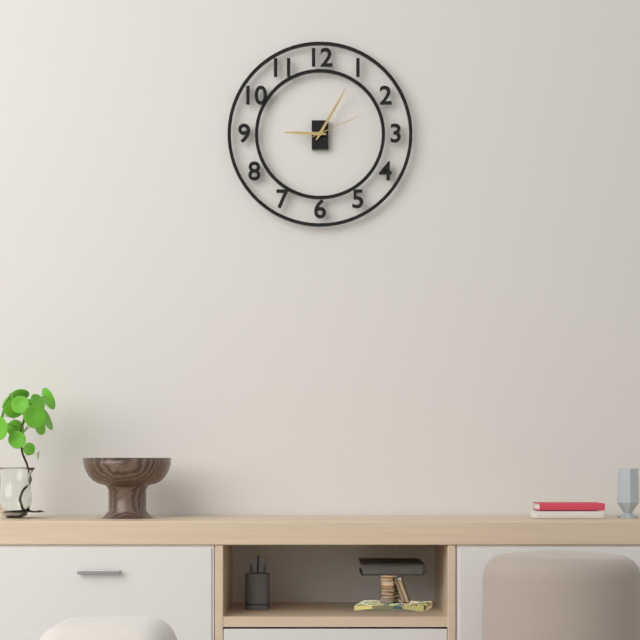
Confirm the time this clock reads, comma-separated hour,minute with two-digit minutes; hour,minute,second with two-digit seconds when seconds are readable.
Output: 9,05,11
